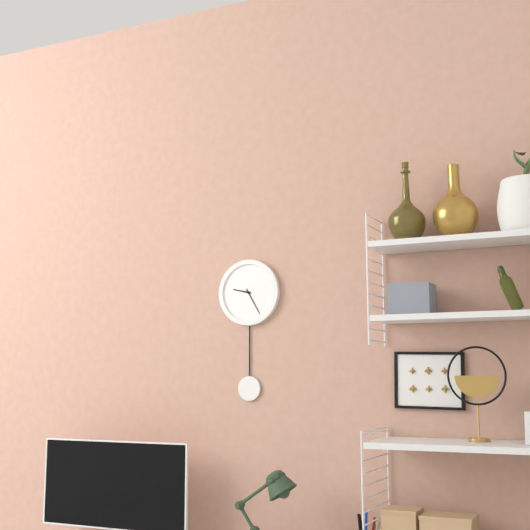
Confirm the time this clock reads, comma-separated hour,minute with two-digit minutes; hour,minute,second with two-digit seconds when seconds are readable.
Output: 9,25
